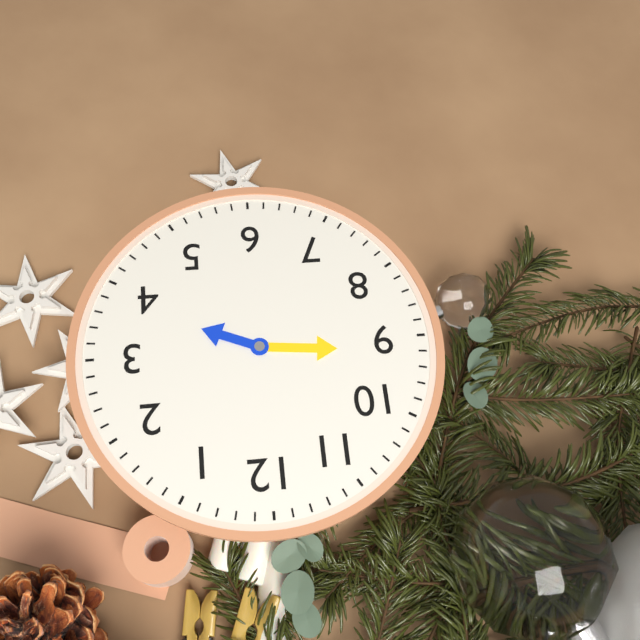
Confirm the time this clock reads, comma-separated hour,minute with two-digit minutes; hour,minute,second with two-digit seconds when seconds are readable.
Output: 3,46
